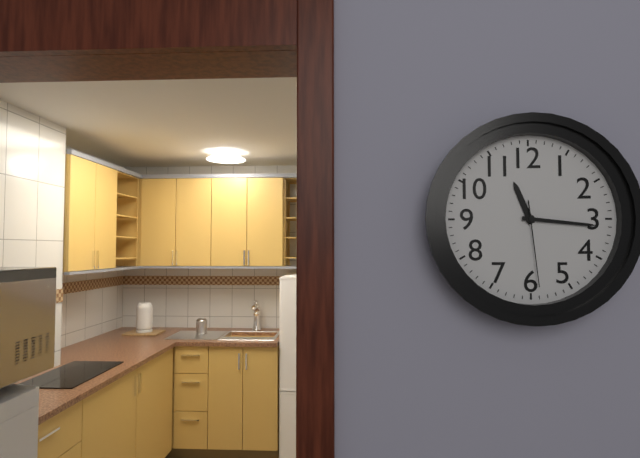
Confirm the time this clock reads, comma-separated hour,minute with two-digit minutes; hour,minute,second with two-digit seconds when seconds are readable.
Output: 11,16,29
